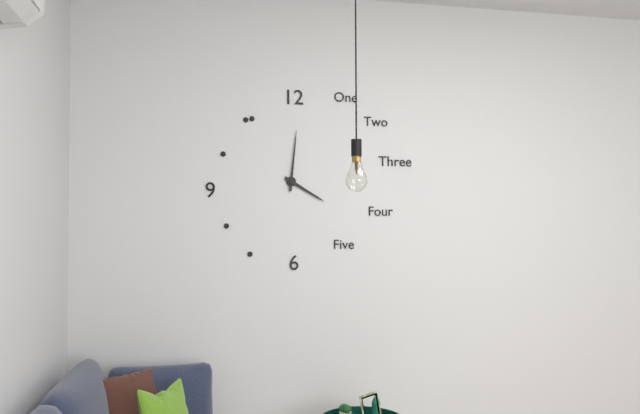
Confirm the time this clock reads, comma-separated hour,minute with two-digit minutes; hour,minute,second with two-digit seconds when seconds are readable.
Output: 4,01
